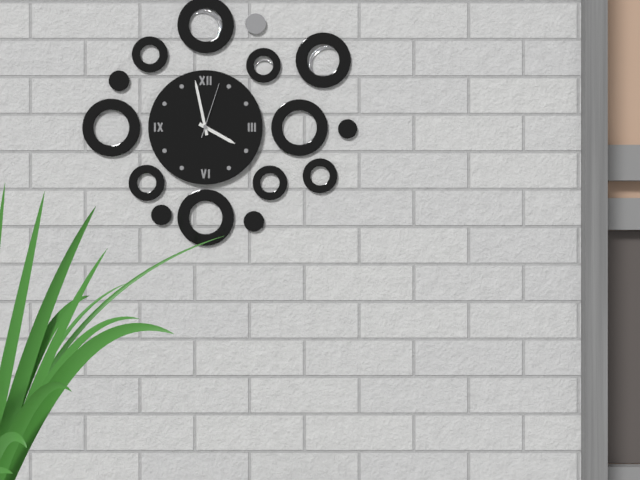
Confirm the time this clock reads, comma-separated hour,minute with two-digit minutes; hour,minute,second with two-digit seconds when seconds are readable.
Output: 3,58,03
